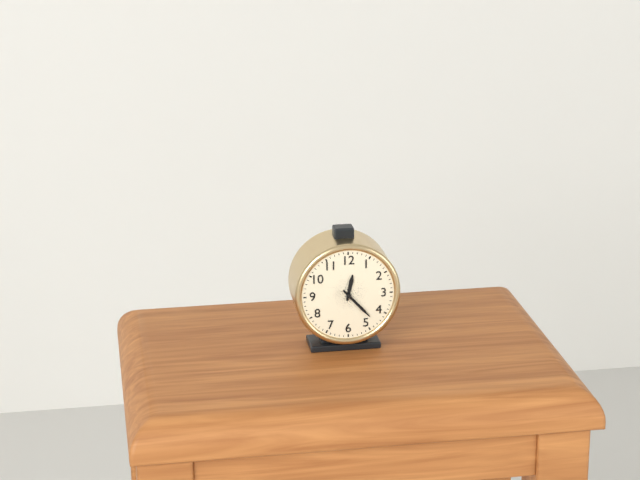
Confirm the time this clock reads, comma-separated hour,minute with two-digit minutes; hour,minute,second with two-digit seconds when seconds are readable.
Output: 12,23
